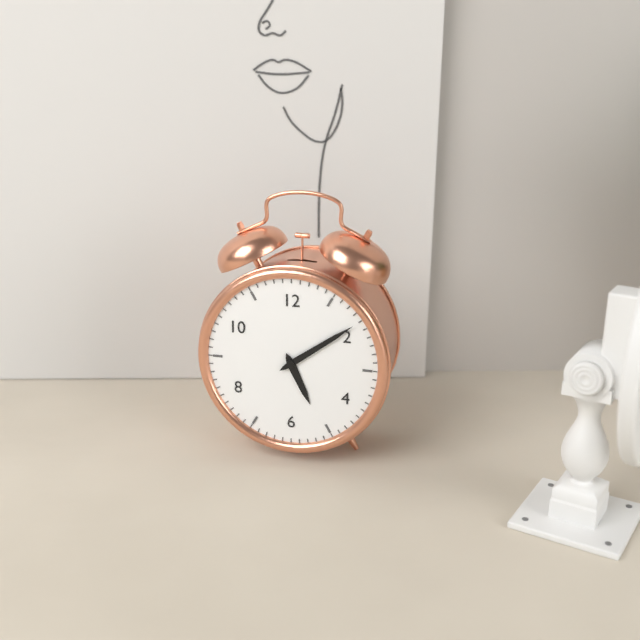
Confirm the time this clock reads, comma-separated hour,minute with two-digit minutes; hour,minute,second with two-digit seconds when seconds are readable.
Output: 5,09
